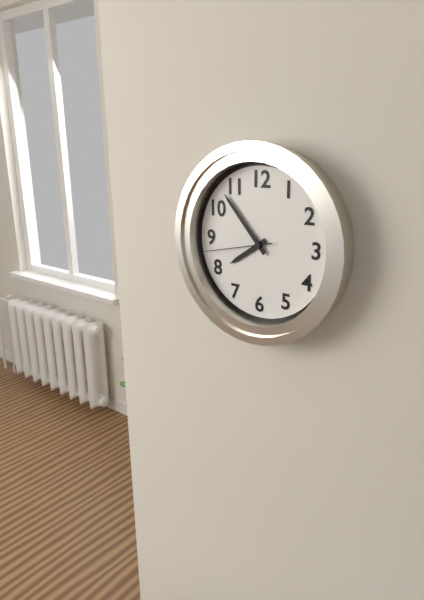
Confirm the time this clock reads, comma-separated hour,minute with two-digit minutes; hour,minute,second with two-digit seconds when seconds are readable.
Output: 7,53,43
